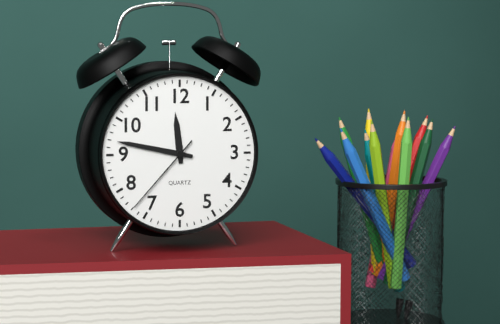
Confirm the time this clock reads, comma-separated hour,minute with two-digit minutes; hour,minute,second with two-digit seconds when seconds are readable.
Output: 11,47,37
